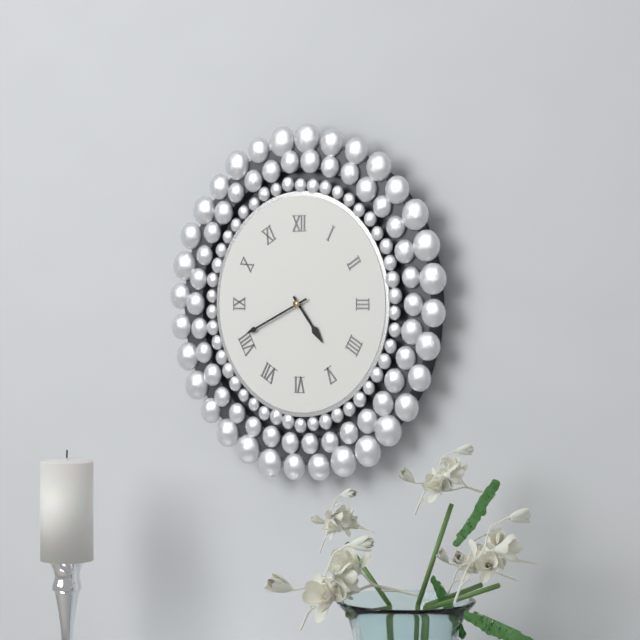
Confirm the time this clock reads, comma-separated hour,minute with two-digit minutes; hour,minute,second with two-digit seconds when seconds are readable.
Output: 4,41
